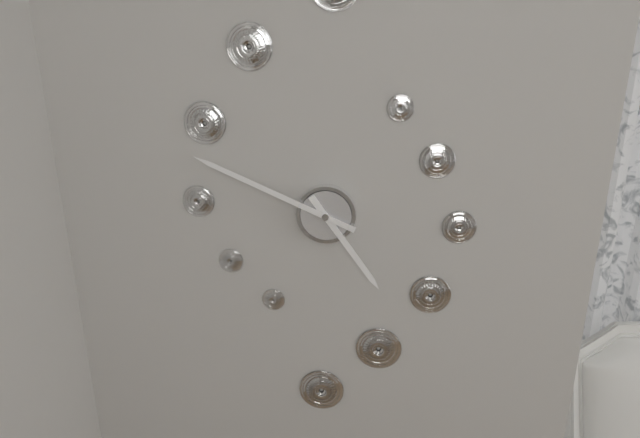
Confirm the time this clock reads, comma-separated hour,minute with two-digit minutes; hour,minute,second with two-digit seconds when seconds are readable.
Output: 4,49
